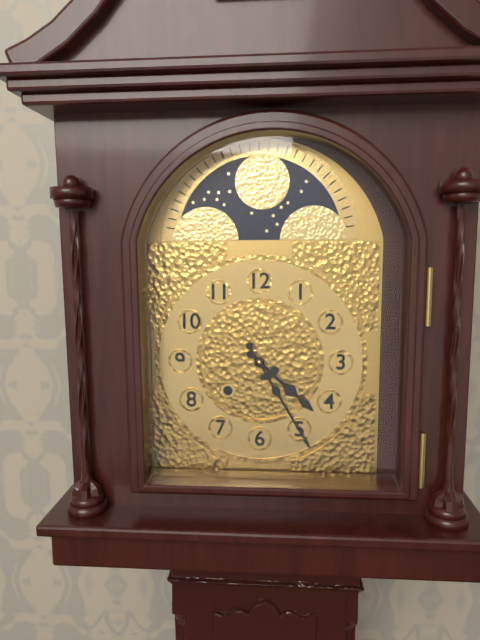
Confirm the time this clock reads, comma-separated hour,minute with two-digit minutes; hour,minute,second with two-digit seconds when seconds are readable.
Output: 4,25
